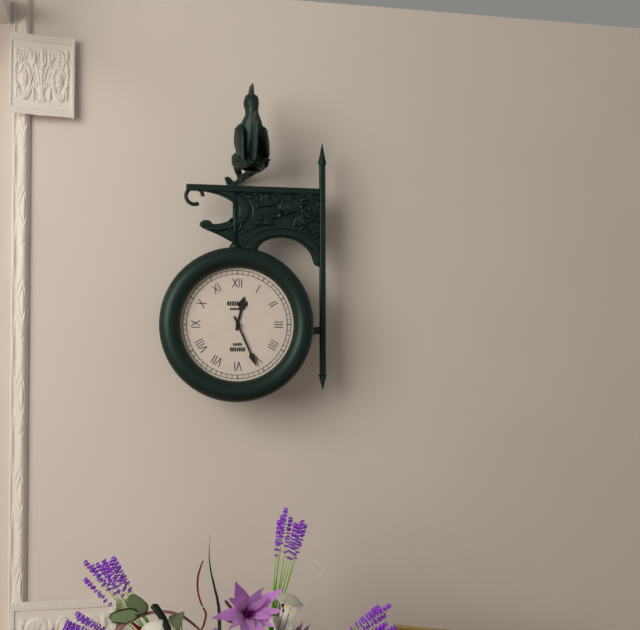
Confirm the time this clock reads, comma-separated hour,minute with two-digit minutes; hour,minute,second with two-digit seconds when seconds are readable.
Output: 12,26
